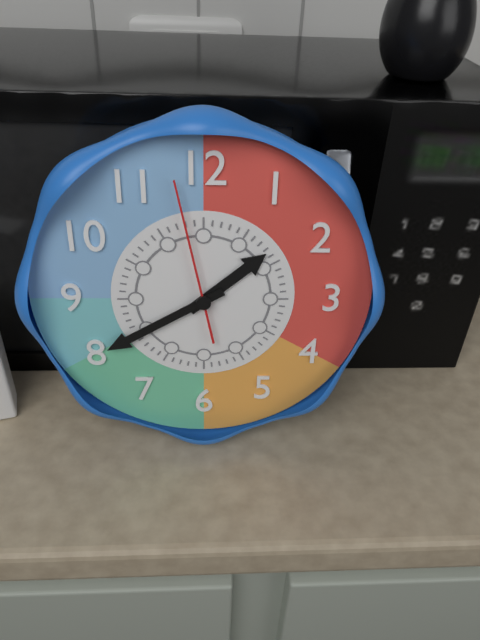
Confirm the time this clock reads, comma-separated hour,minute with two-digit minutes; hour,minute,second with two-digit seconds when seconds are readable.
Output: 1,40,58
